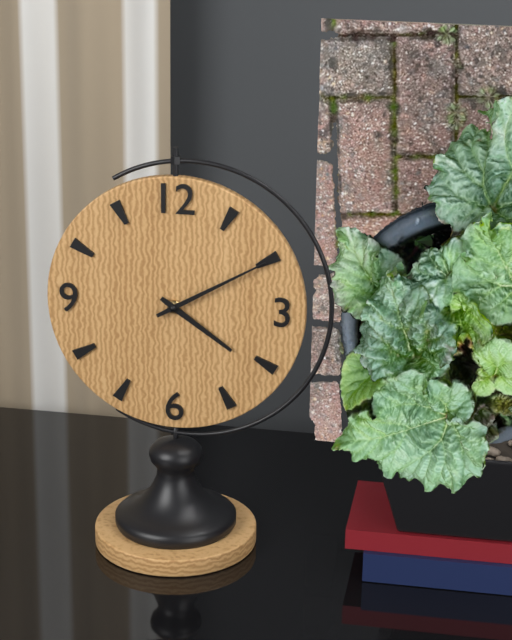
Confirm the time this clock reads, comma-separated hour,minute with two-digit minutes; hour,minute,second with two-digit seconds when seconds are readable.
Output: 4,10
